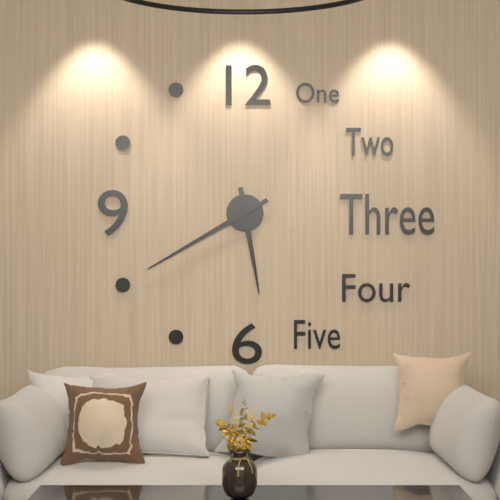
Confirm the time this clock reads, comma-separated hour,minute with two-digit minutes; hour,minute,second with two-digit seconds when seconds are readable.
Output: 5,40
